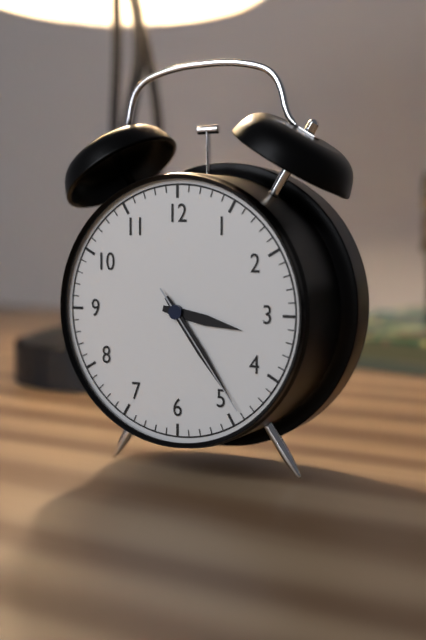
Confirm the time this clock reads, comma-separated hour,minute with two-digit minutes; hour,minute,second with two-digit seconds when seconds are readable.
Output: 3,24,24
